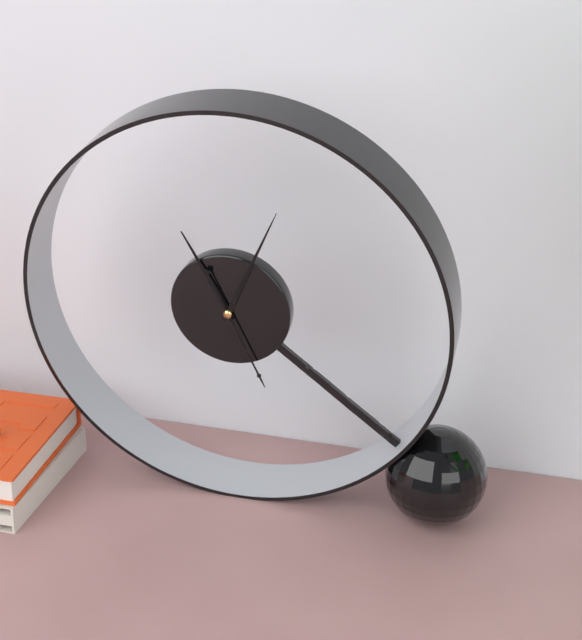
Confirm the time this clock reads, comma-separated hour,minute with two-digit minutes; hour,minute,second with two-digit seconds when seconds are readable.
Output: 11,04,26
